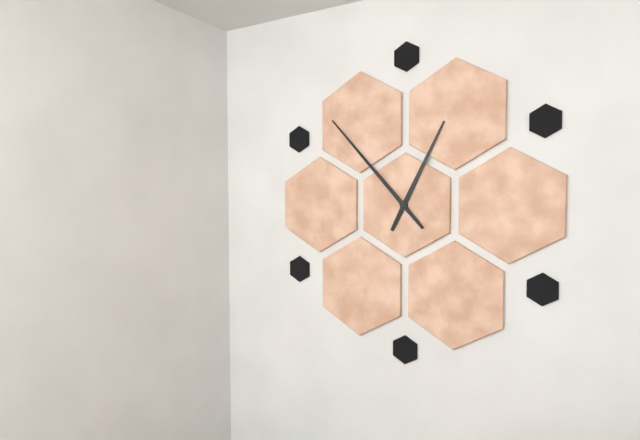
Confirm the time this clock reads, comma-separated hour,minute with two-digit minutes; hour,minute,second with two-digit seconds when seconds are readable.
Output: 12,53
